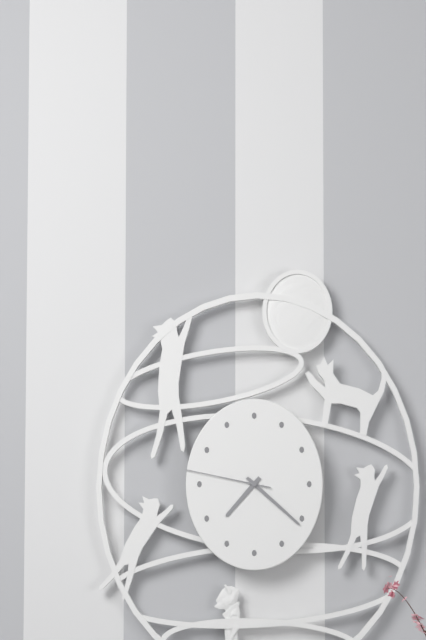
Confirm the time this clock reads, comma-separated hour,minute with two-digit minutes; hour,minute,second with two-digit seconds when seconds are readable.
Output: 7,22,47
